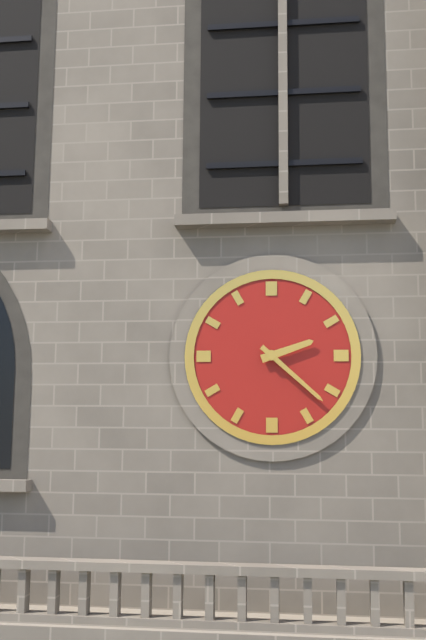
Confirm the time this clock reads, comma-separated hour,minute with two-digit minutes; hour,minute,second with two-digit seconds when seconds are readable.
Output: 2,22
